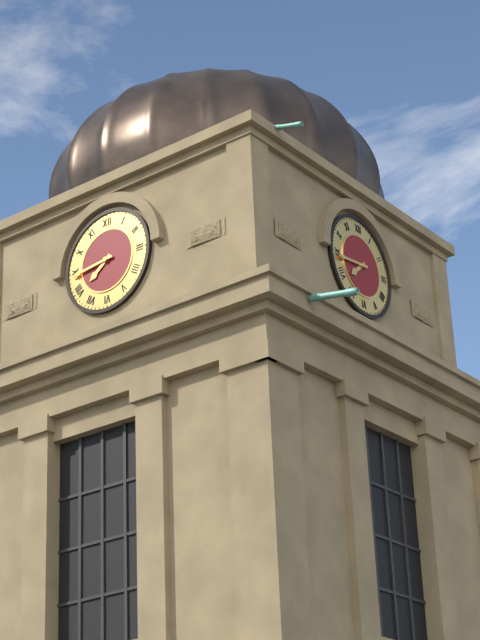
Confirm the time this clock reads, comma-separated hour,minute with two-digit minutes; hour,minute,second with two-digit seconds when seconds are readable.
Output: 7,44
